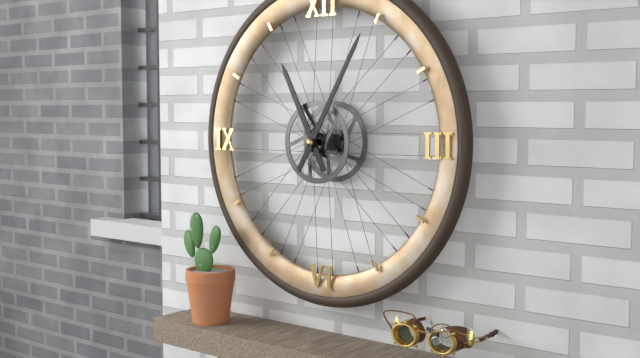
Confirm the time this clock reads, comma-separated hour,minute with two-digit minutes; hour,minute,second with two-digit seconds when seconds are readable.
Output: 11,05
